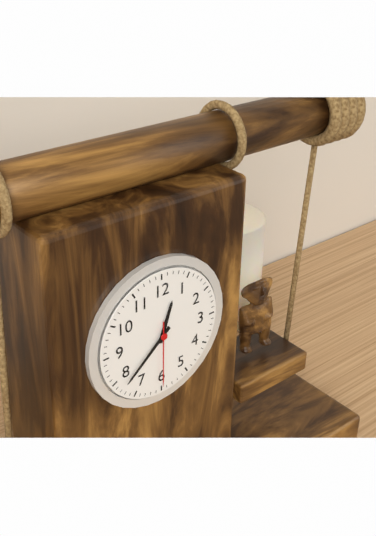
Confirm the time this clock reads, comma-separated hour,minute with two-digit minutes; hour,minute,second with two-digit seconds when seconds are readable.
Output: 12,38,30
